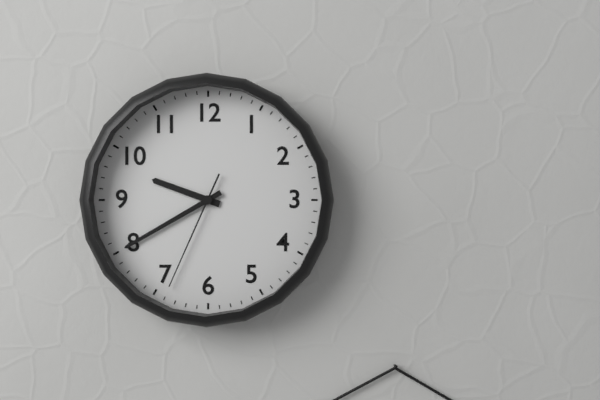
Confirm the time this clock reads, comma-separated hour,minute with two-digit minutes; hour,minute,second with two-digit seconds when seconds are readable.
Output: 9,40,34
